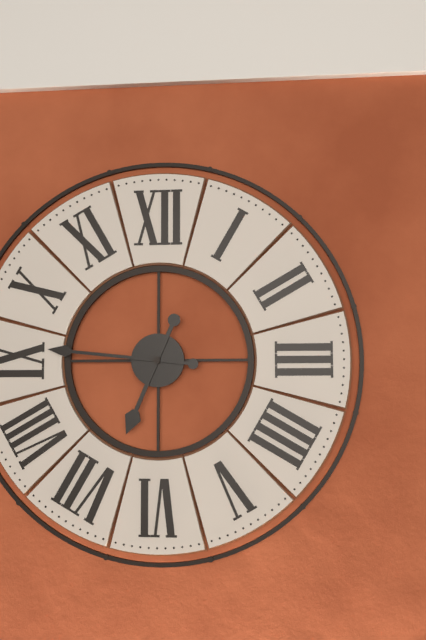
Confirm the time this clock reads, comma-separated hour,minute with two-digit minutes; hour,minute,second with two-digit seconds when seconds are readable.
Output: 6,46
